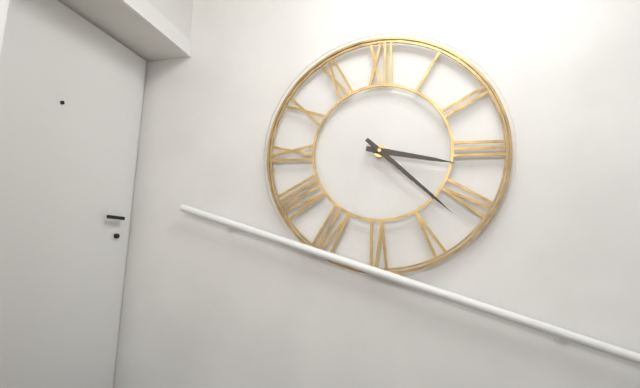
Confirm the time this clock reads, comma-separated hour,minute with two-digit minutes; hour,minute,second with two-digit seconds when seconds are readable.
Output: 3,22
